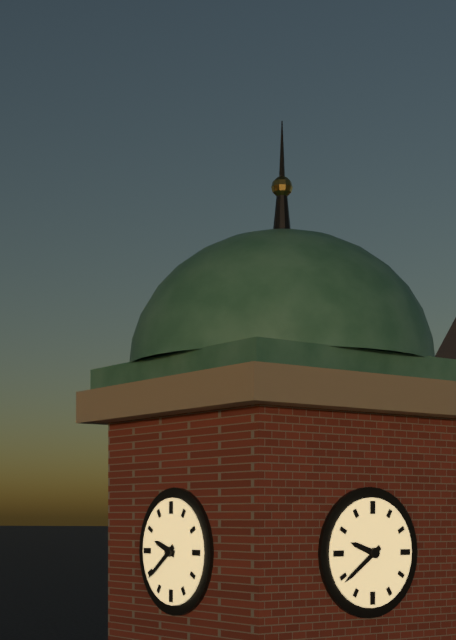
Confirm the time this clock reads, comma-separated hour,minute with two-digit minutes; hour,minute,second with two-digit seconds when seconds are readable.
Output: 9,39
